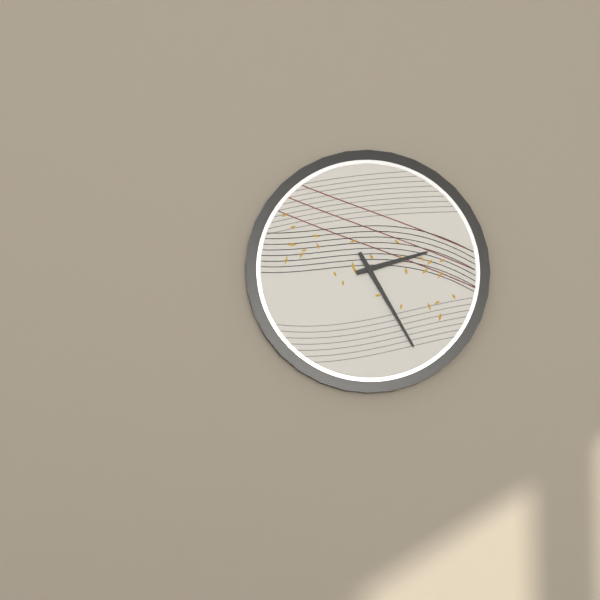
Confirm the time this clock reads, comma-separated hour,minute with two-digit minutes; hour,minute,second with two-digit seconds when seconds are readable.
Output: 2,25
